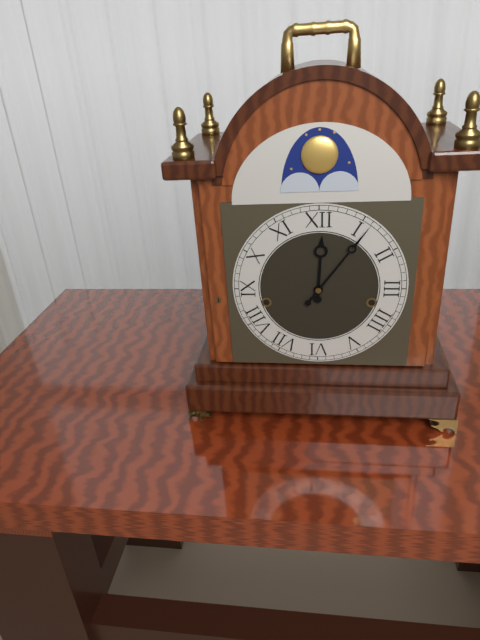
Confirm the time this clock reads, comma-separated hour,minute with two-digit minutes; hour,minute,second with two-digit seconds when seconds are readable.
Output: 12,06
